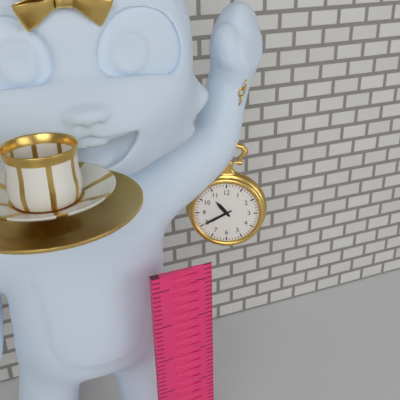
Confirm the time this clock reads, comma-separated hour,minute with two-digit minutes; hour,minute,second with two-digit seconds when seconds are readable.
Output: 10,40
